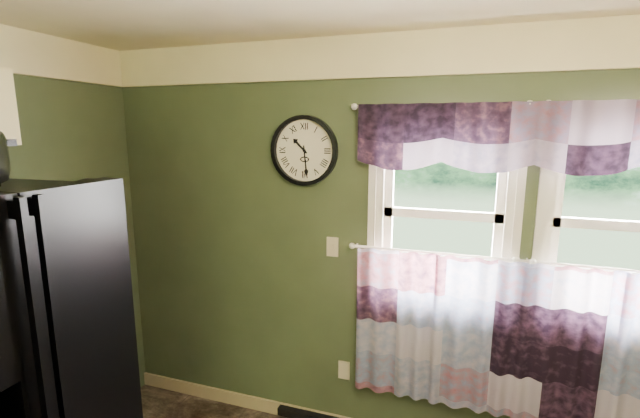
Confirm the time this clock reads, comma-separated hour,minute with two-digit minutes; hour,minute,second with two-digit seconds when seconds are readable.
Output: 10,29
